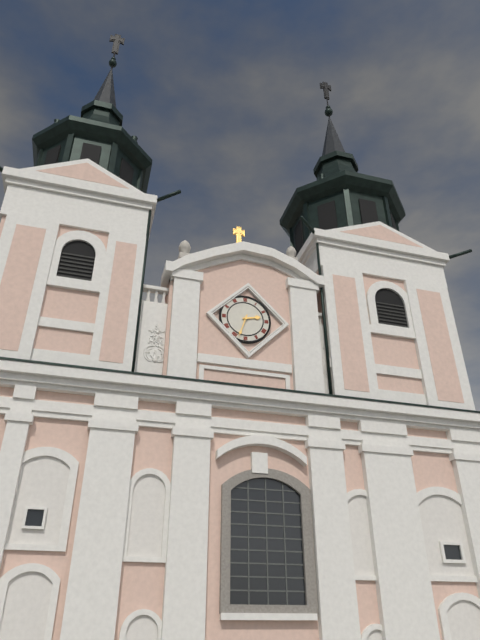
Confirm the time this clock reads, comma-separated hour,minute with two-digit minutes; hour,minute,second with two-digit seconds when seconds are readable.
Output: 2,33
